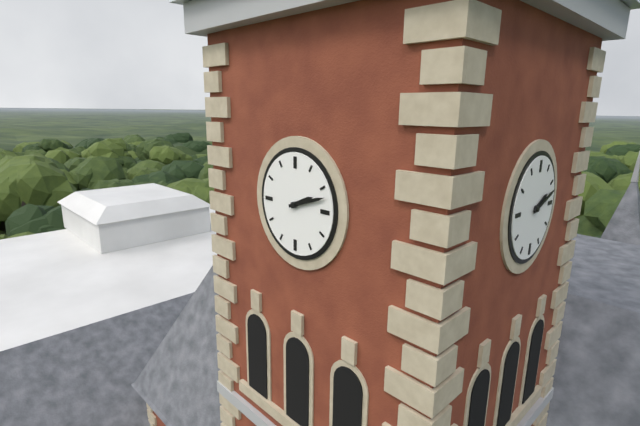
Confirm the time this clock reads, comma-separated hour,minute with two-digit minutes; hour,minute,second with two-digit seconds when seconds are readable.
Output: 2,12
